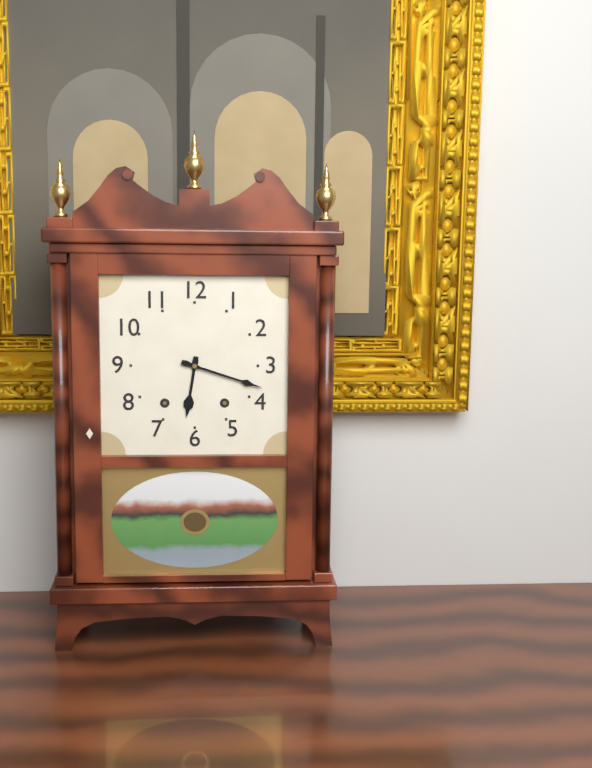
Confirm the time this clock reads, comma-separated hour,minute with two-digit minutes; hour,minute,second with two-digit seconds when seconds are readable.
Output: 6,18
